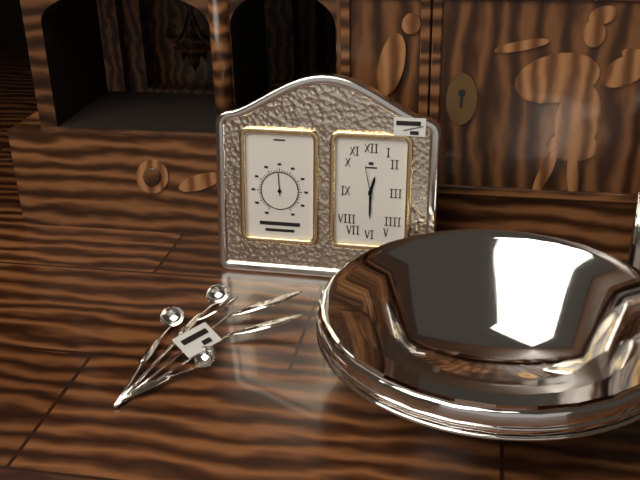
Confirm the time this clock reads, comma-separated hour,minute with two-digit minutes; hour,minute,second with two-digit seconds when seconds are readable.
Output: 12,30
